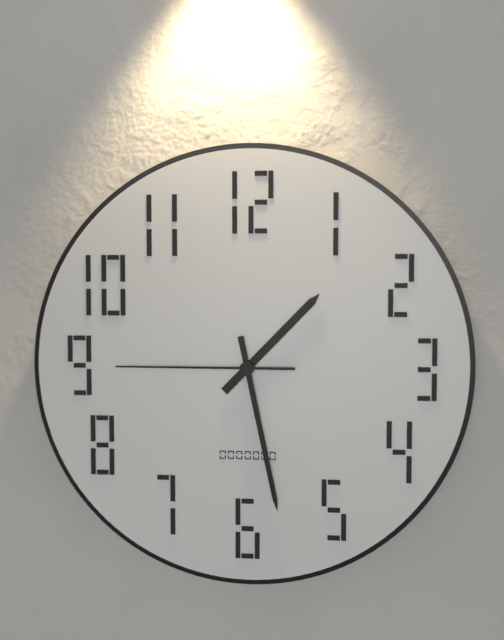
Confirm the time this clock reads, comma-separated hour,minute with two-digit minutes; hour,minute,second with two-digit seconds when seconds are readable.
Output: 1,28,45
